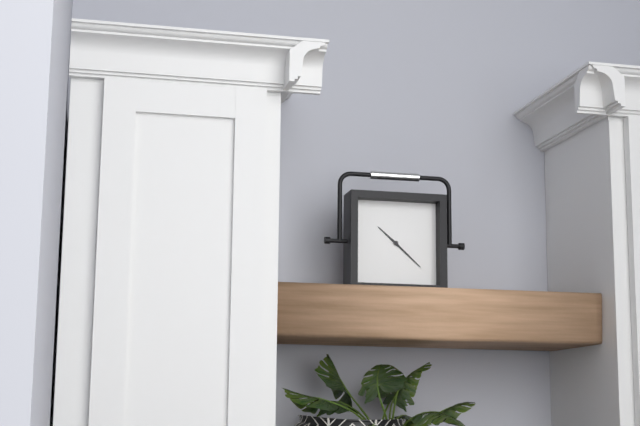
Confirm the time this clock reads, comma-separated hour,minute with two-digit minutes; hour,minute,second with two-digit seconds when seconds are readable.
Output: 10,22
